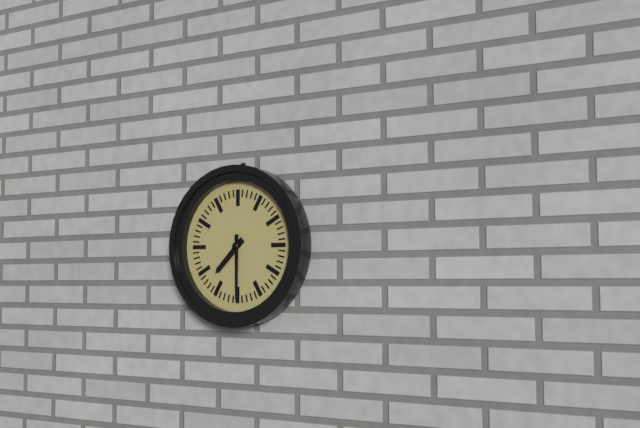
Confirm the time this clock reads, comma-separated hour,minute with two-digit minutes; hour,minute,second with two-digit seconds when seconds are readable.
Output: 7,30
